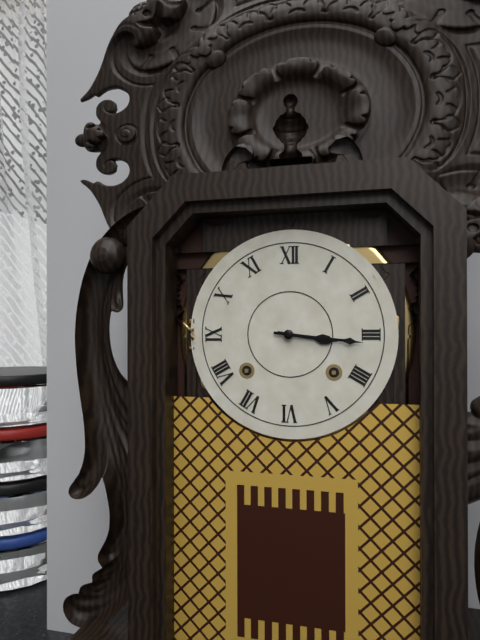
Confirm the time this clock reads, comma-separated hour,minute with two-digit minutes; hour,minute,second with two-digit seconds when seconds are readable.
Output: 3,16
